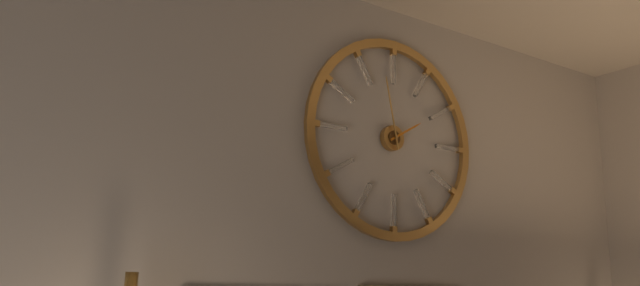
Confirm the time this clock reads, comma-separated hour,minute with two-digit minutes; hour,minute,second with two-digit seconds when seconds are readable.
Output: 1,58
